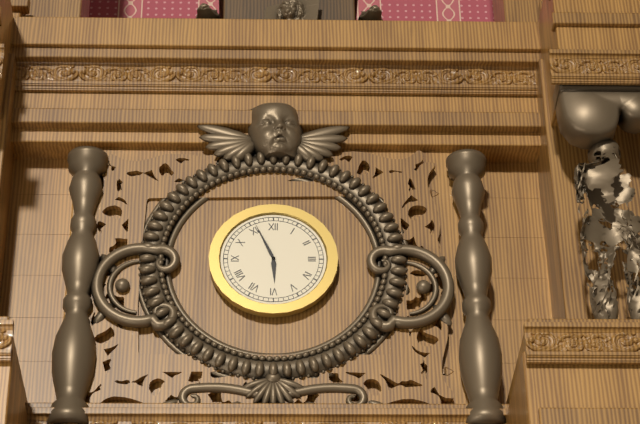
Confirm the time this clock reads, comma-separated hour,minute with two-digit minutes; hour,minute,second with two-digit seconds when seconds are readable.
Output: 5,56
